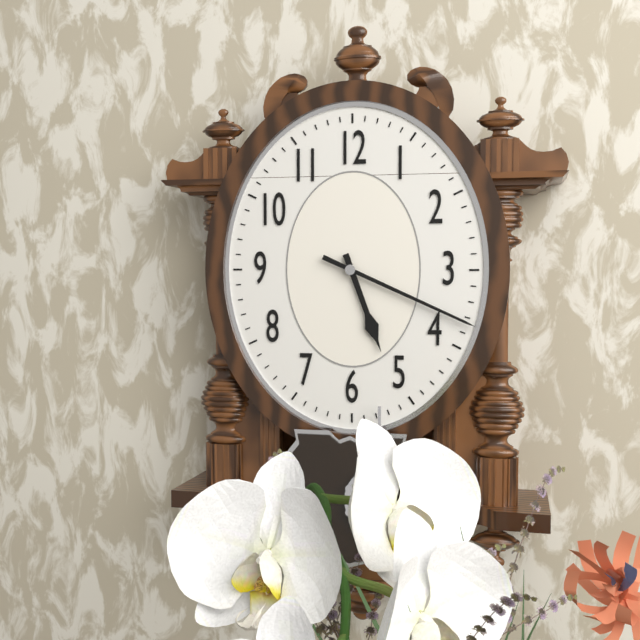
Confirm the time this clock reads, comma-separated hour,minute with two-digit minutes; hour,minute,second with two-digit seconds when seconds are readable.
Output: 5,19
